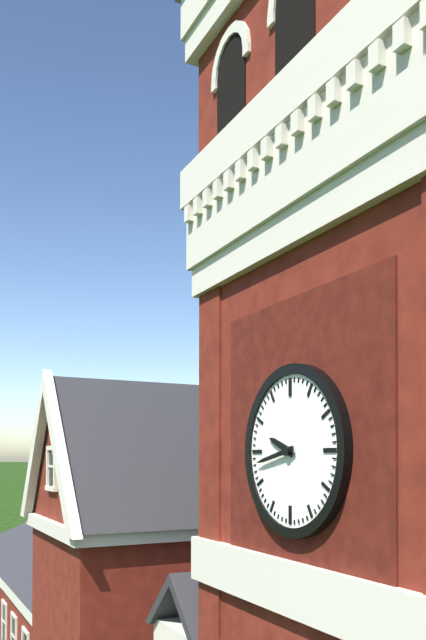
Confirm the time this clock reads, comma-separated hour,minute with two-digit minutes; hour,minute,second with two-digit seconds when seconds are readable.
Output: 9,43
